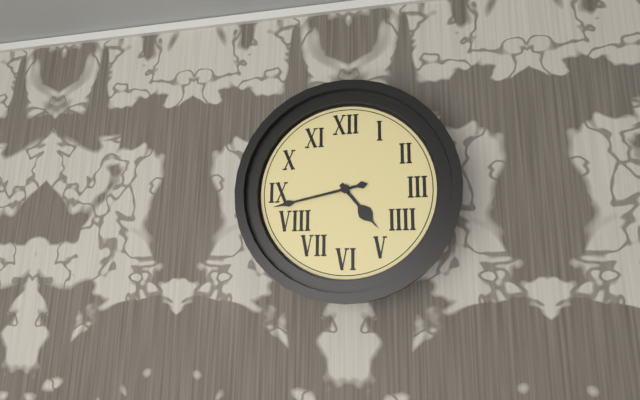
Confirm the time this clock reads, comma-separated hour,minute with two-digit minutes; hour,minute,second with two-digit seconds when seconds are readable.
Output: 4,43
